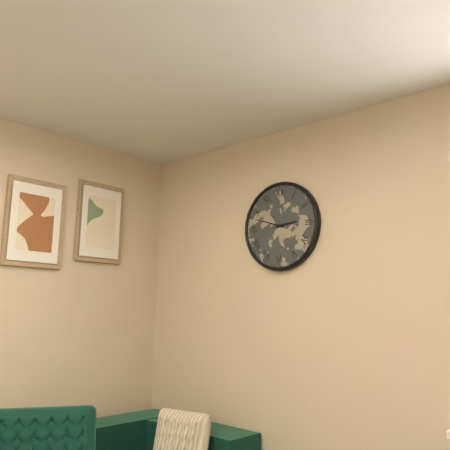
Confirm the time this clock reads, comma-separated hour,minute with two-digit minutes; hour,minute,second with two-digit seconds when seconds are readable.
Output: 2,48
